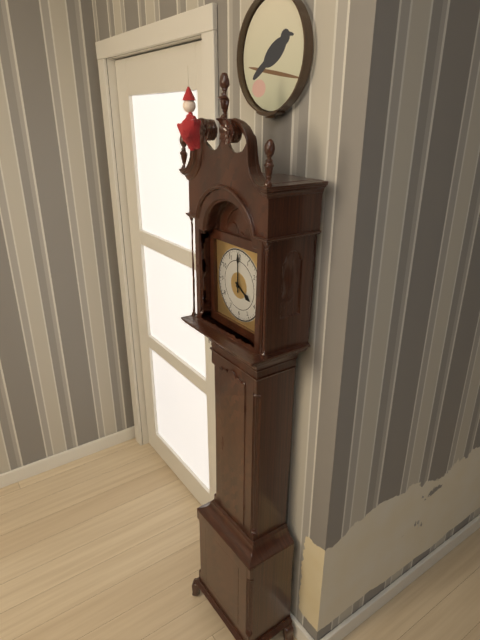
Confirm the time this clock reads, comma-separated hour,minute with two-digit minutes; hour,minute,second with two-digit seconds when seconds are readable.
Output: 4,00
